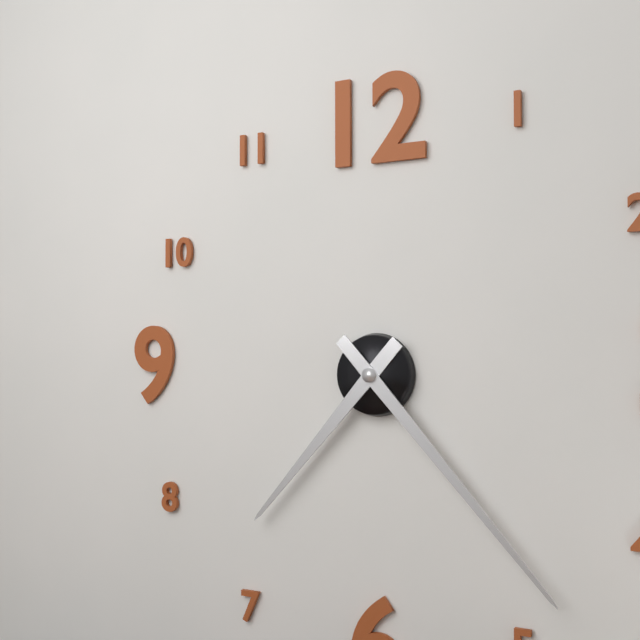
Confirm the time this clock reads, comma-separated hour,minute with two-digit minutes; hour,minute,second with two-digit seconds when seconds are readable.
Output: 7,23
